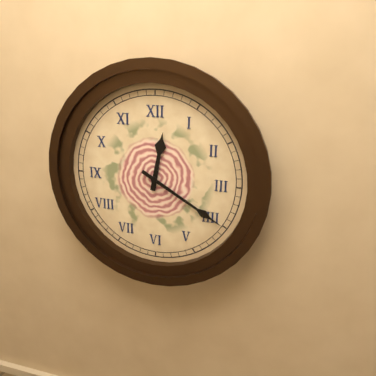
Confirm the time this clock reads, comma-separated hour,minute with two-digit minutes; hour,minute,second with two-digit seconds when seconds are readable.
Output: 12,20
